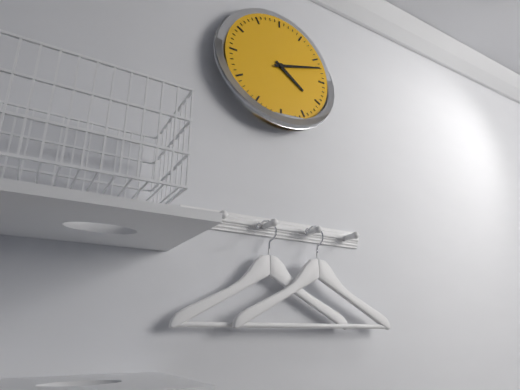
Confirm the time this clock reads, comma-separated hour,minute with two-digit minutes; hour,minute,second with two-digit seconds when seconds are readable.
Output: 4,12
